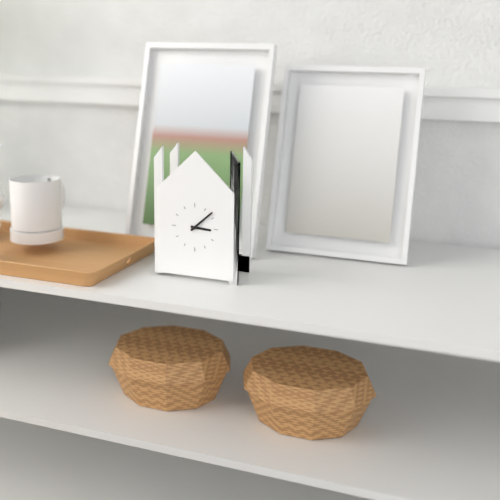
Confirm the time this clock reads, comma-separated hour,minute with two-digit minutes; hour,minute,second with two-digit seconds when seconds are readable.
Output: 3,08
